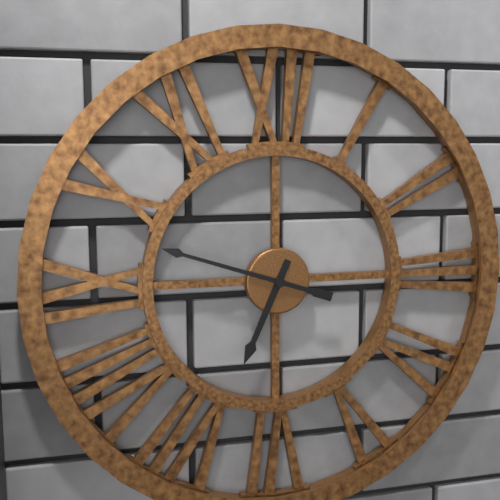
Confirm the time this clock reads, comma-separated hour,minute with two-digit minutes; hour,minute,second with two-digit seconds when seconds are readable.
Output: 6,48
